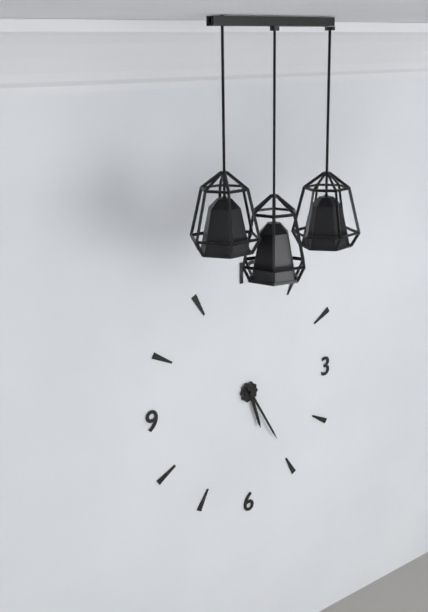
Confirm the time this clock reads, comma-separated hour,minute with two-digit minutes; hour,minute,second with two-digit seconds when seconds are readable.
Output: 5,25
